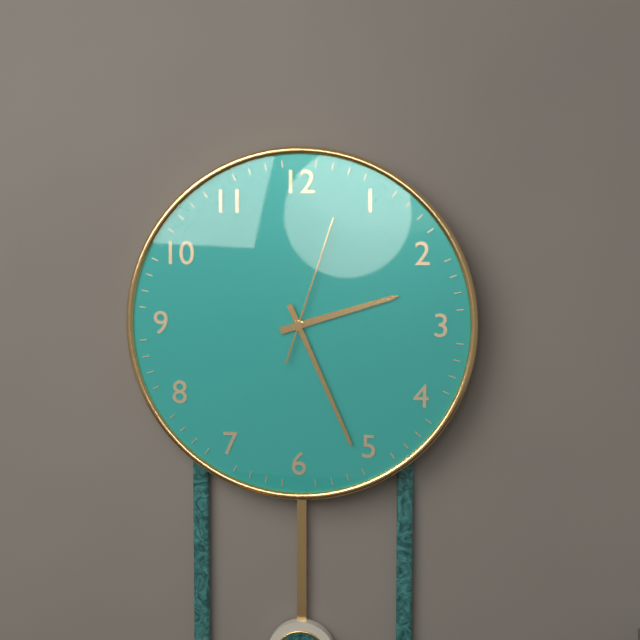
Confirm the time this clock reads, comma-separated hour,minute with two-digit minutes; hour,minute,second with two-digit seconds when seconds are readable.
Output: 2,26,03
